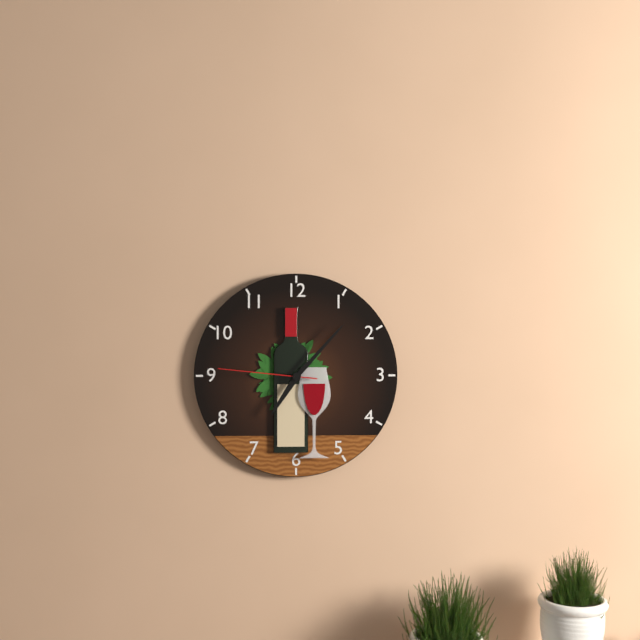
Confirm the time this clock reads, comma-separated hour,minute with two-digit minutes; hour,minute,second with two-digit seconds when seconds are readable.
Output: 7,07,46
